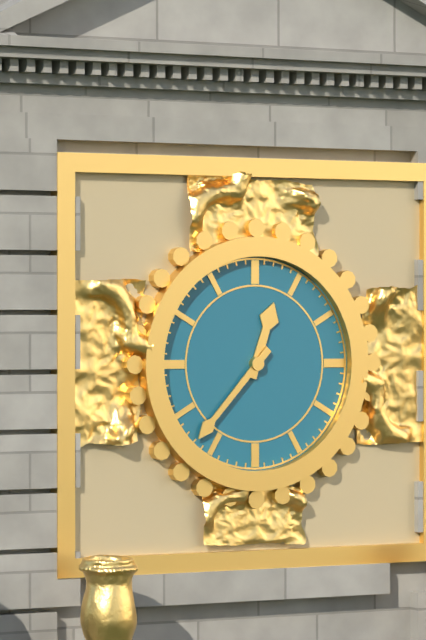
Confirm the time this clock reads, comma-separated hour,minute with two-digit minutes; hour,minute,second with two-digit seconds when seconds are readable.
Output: 12,37
